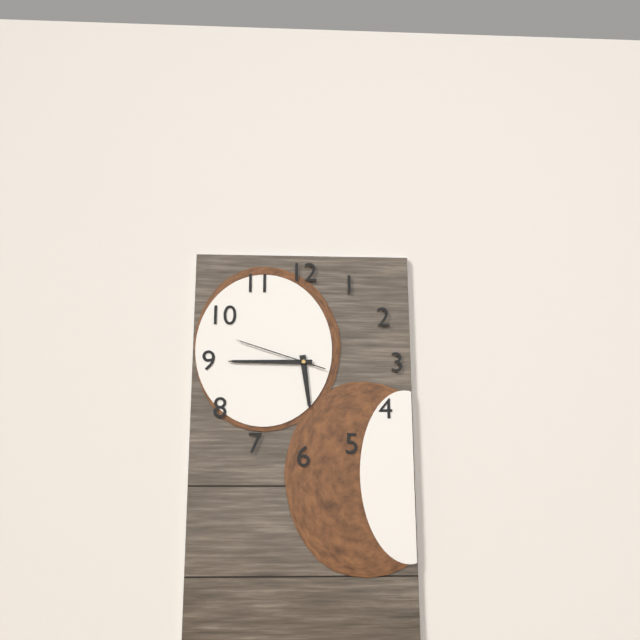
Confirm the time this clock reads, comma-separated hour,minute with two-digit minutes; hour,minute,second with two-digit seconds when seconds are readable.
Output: 5,45,48
